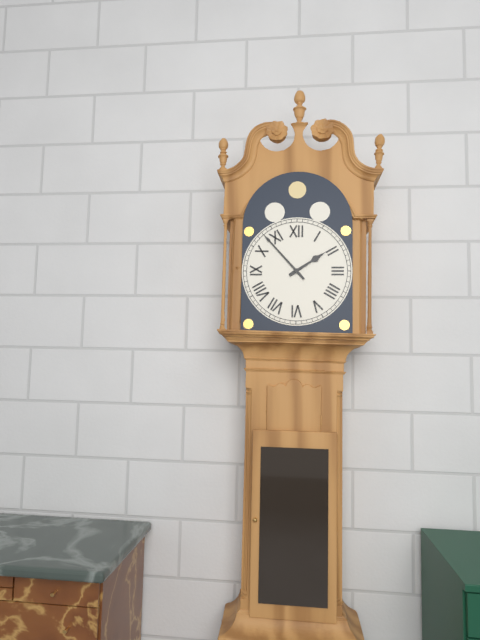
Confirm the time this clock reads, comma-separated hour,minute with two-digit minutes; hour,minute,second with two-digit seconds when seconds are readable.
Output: 1,53
